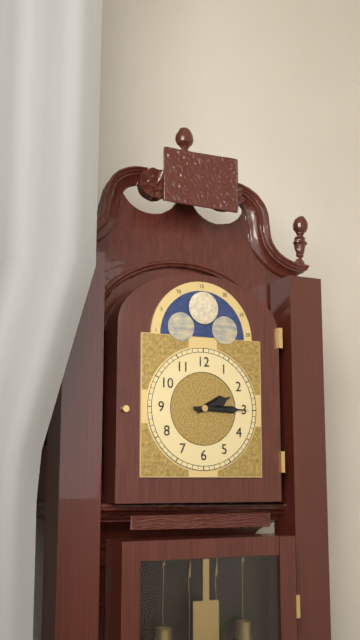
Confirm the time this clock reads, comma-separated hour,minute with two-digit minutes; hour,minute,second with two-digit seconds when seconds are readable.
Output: 2,15
